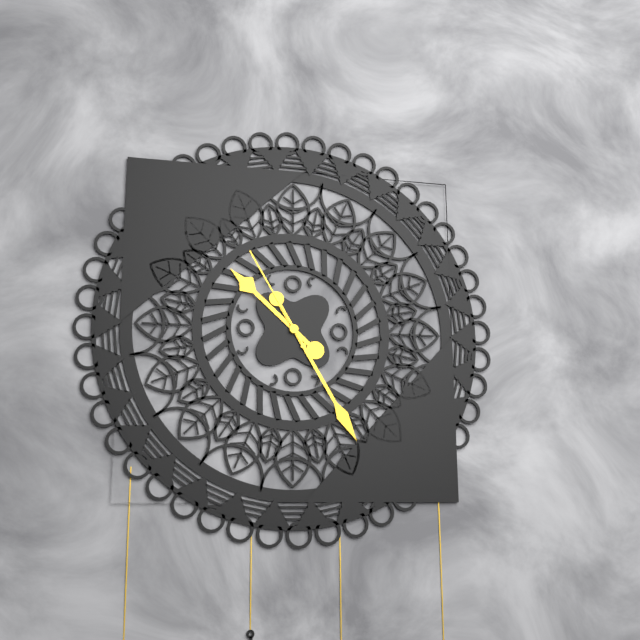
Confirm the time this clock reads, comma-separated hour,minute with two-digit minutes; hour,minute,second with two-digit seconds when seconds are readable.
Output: 10,25,55
